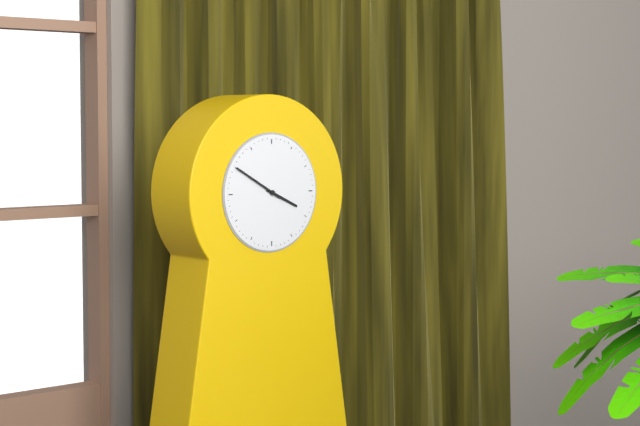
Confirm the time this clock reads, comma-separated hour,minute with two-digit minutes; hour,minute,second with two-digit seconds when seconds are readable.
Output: 3,50
